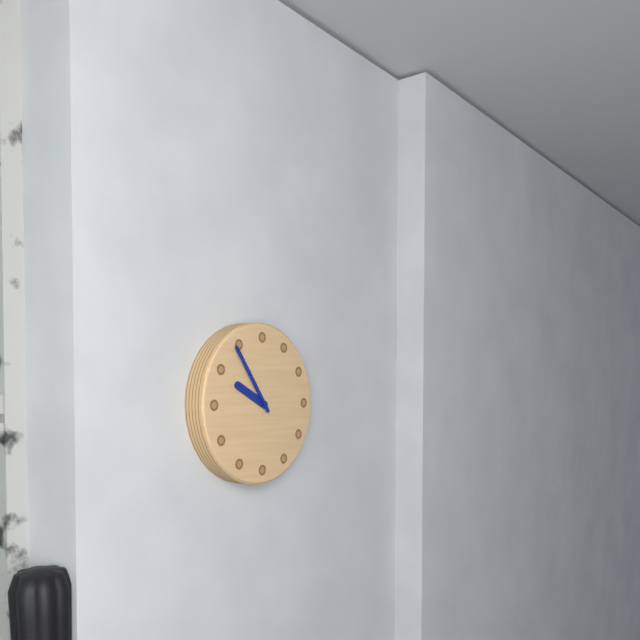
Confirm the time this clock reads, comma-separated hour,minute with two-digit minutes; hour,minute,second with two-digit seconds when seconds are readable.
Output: 9,54
